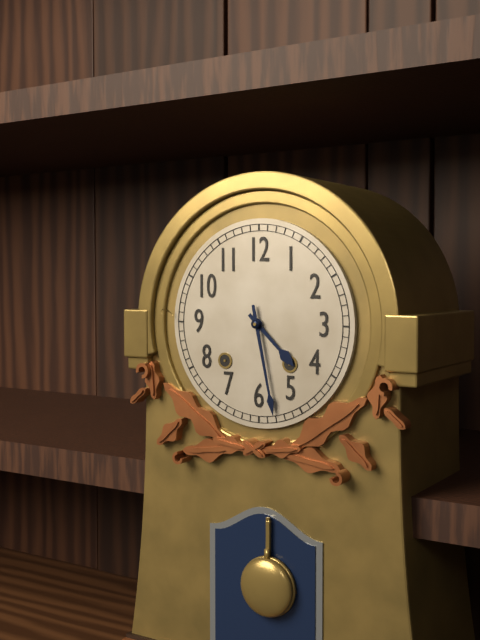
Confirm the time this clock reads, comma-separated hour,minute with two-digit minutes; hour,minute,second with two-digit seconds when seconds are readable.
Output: 4,28
